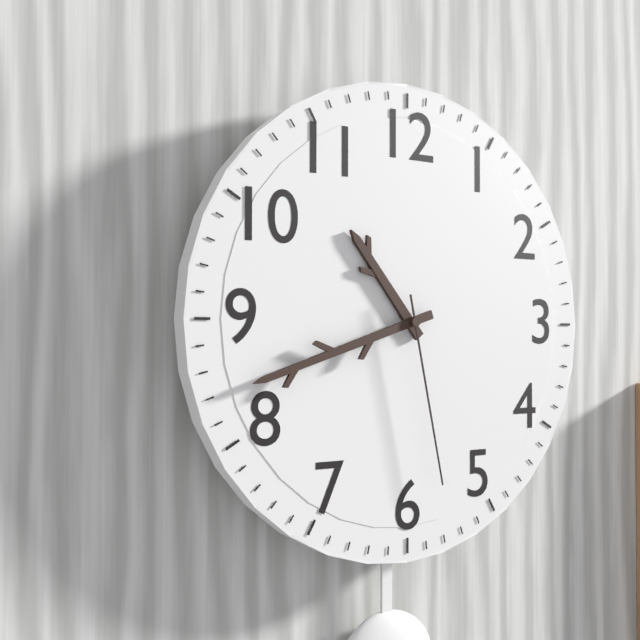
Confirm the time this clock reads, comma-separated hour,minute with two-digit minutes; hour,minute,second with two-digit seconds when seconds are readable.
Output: 10,42,28
